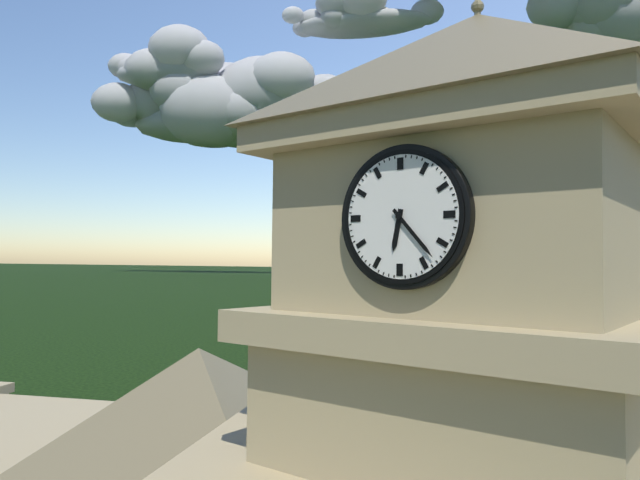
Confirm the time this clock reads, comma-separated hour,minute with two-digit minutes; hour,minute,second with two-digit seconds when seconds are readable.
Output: 6,23
